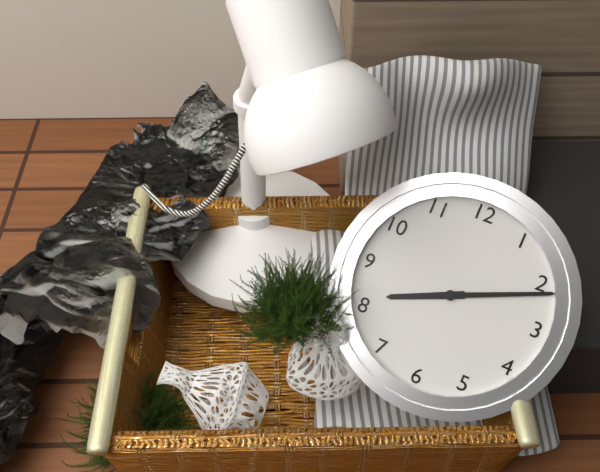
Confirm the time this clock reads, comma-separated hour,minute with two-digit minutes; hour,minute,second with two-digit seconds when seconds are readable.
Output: 8,11
